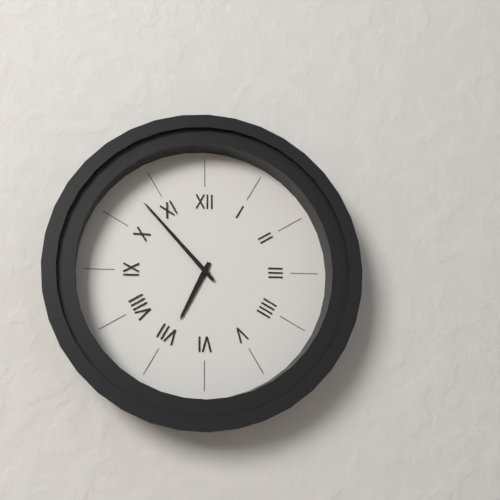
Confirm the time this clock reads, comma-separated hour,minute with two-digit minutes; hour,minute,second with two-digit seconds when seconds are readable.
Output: 6,53
